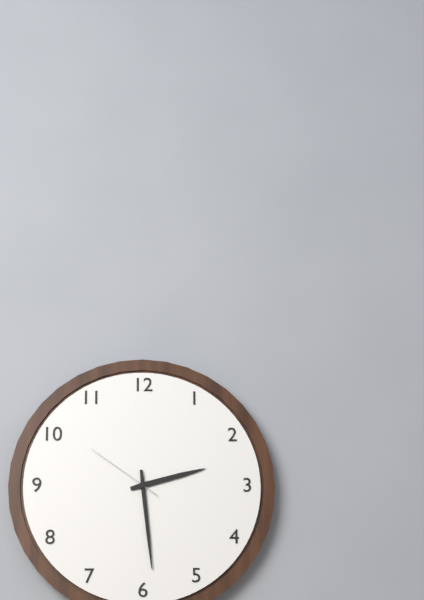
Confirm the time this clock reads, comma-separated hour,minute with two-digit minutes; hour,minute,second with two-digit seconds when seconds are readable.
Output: 2,29,51
